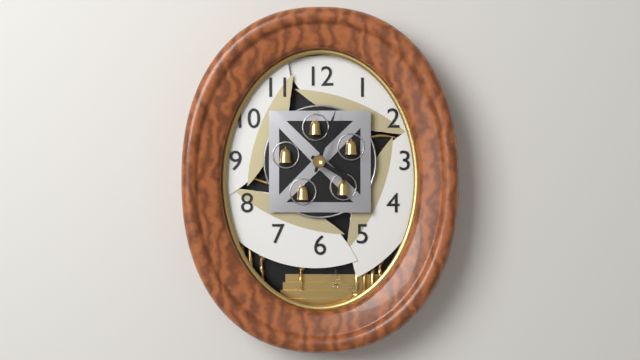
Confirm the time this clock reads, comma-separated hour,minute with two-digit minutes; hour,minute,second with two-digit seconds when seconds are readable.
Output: 4,03
